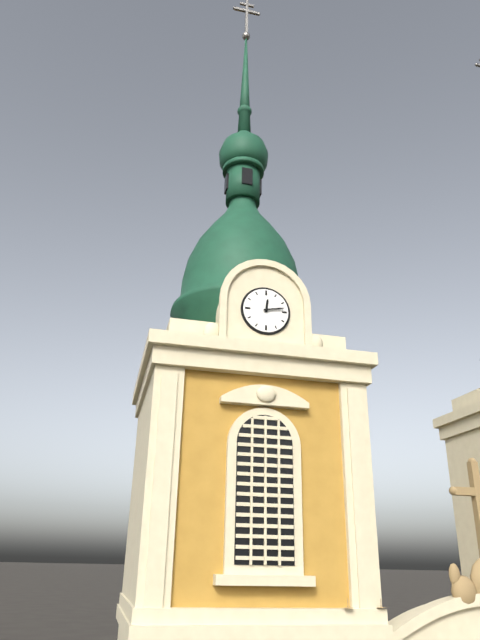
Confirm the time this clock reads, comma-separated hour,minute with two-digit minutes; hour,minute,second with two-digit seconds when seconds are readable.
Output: 12,13
